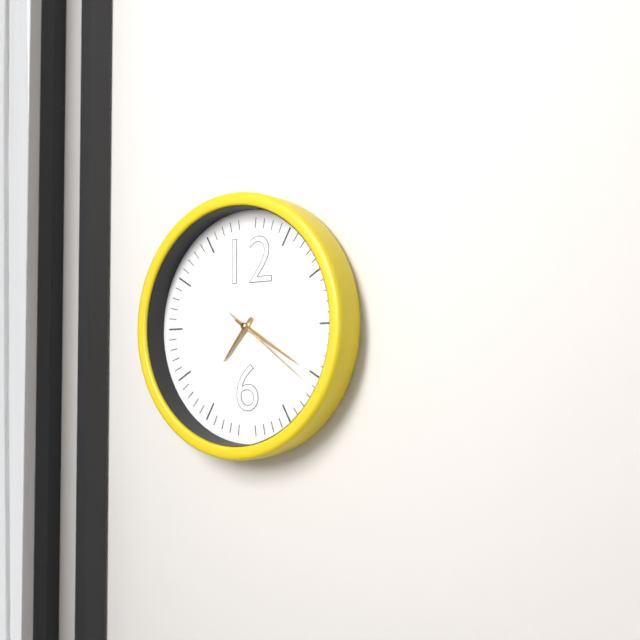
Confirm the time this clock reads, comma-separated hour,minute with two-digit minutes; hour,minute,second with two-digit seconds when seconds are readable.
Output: 7,20,21
